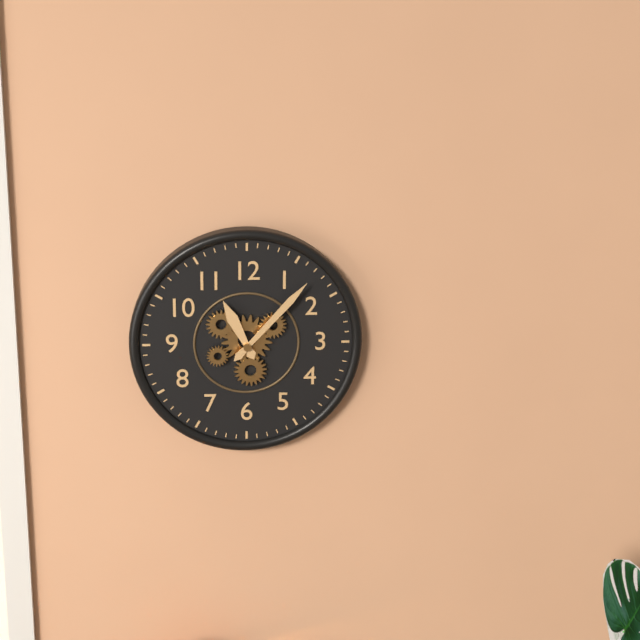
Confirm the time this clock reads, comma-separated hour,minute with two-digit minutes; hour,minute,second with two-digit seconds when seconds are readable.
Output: 11,07
